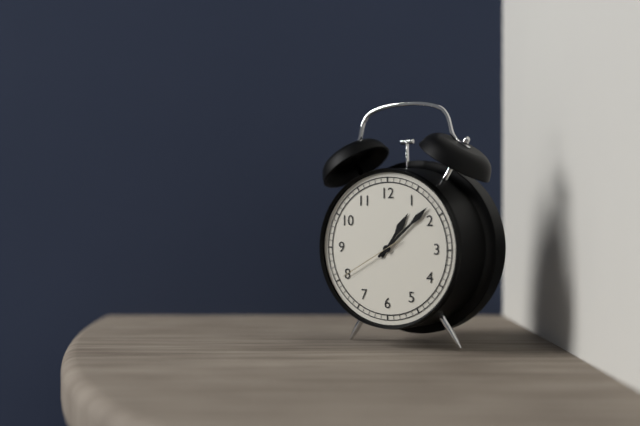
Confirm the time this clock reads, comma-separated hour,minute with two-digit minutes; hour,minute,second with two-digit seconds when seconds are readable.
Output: 1,08,40
